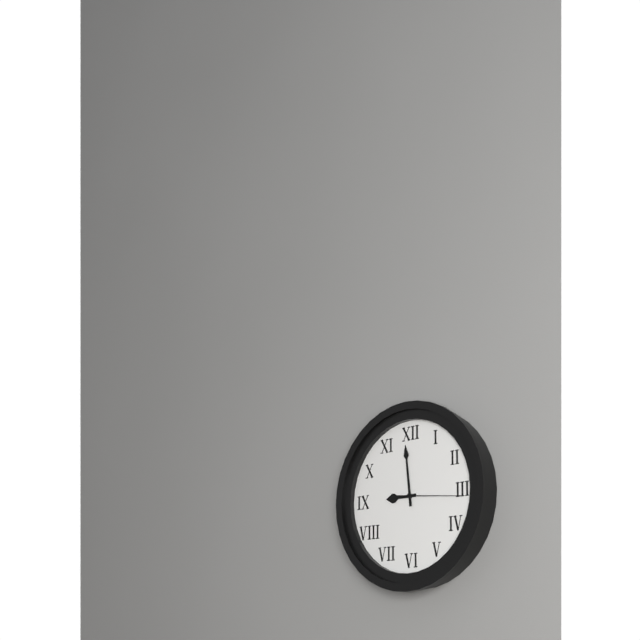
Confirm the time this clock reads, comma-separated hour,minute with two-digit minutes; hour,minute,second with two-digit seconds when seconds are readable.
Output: 8,59,16
